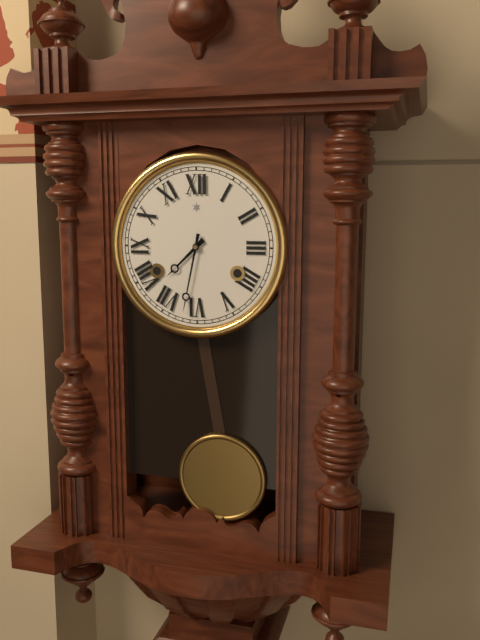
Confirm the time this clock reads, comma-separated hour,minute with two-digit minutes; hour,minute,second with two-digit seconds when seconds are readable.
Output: 7,32
